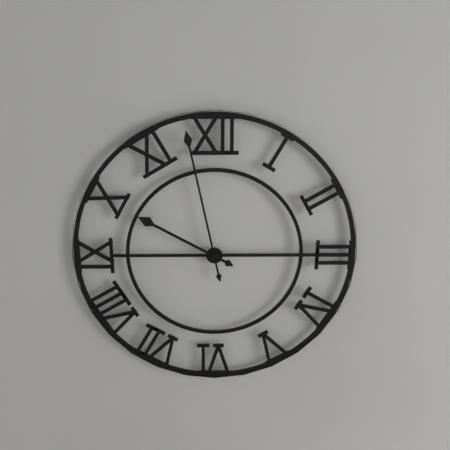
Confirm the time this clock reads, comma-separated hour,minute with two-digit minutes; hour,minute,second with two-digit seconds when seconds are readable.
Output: 9,58
